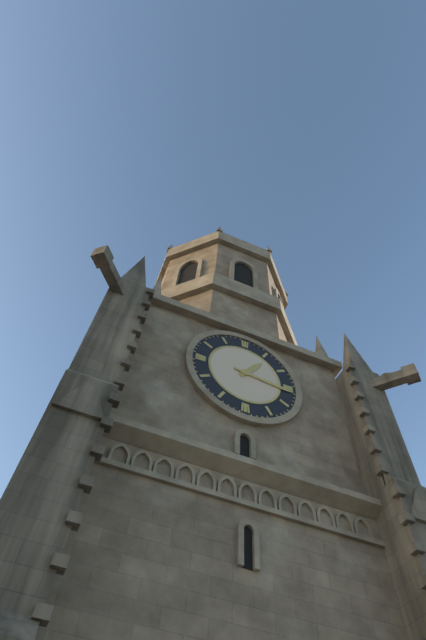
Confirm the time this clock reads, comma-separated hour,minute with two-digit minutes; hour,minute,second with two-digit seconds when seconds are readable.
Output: 1,16
